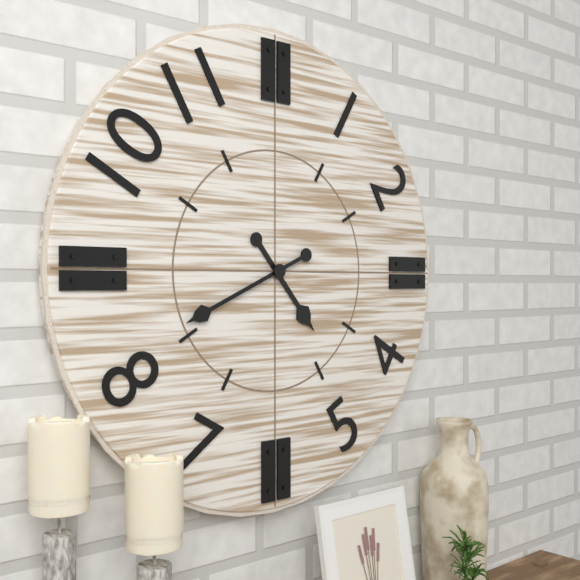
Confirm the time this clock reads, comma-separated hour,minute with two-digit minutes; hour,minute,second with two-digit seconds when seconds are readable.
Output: 4,41
